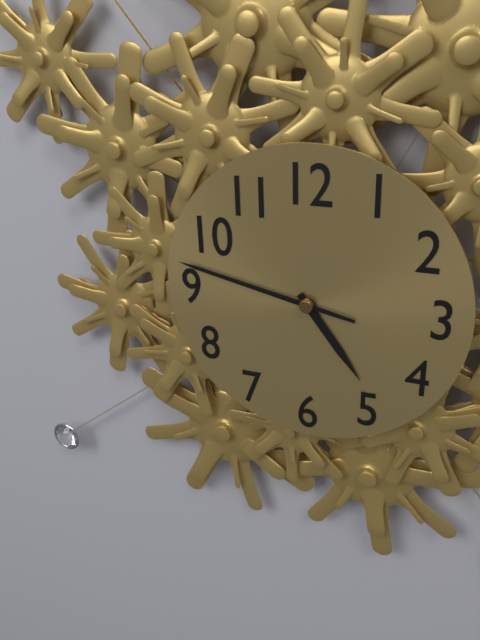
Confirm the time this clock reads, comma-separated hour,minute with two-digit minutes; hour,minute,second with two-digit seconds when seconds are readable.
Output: 4,47
